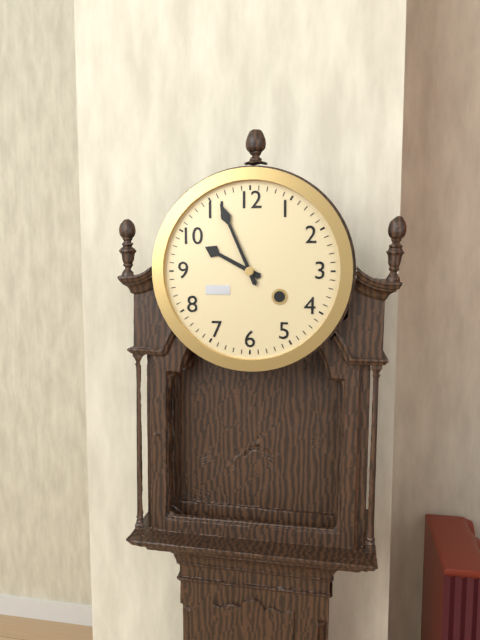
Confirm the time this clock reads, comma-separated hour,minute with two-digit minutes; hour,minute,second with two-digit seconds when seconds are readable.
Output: 9,56
